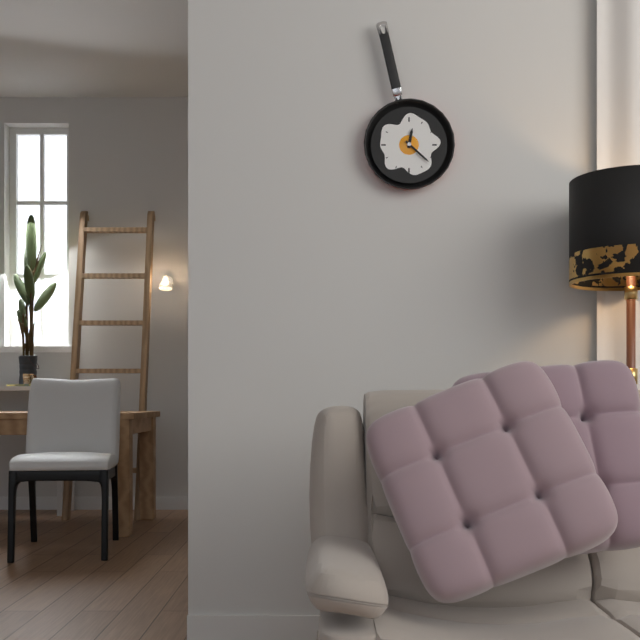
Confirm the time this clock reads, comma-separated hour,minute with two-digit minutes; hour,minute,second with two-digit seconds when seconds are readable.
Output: 12,22
